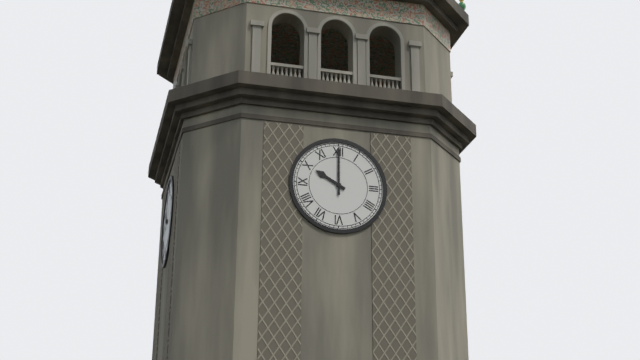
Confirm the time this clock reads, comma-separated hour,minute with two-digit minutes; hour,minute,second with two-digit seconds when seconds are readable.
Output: 10,00
